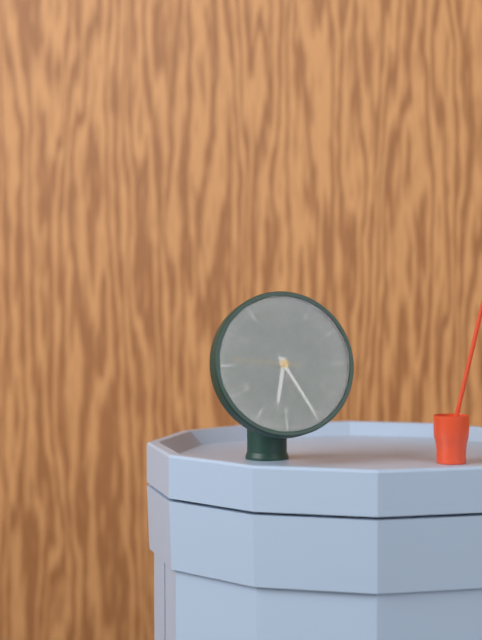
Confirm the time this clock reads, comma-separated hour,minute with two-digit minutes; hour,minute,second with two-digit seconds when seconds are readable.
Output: 6,25,46
